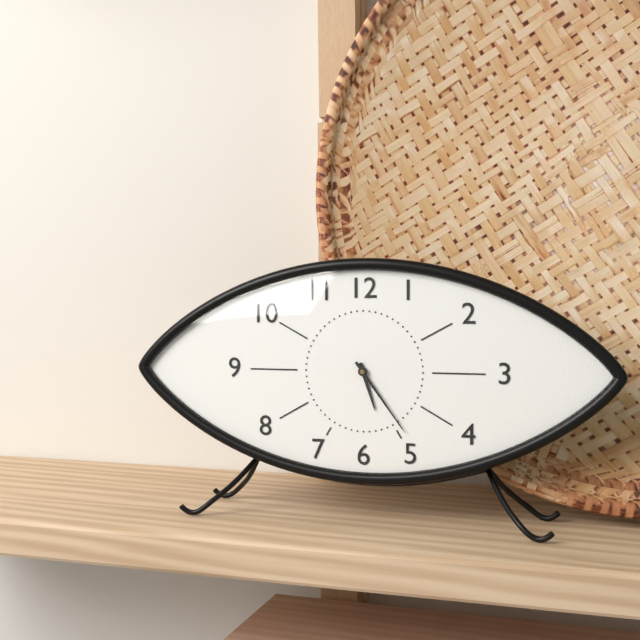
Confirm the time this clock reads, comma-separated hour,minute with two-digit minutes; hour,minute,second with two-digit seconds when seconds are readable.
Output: 5,24
